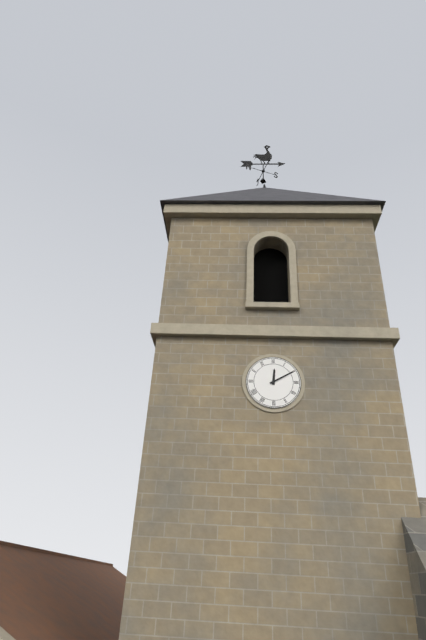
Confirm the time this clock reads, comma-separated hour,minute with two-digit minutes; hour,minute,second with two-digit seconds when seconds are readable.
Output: 12,10
